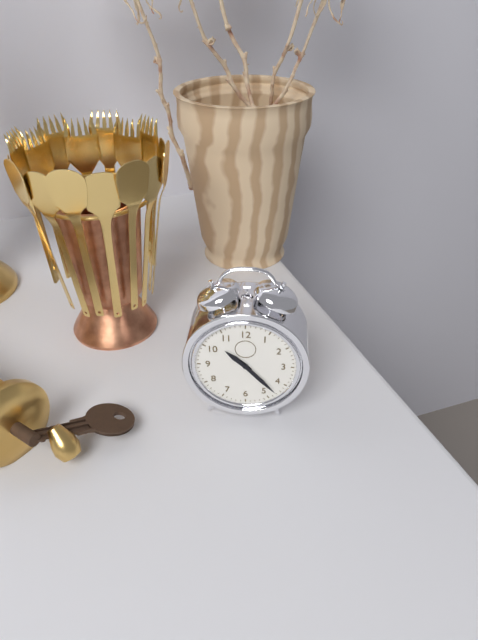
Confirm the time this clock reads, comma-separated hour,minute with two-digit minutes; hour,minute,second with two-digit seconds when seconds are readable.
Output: 10,23
